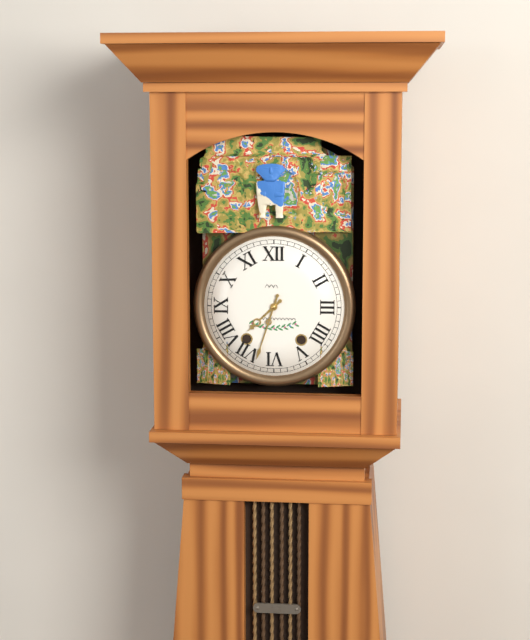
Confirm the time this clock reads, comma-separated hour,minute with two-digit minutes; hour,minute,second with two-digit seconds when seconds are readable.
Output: 7,33
